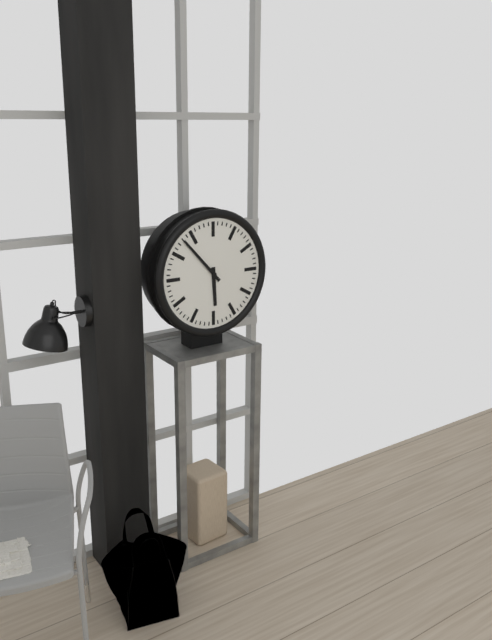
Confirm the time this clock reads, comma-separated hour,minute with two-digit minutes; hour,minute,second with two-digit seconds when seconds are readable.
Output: 5,53
